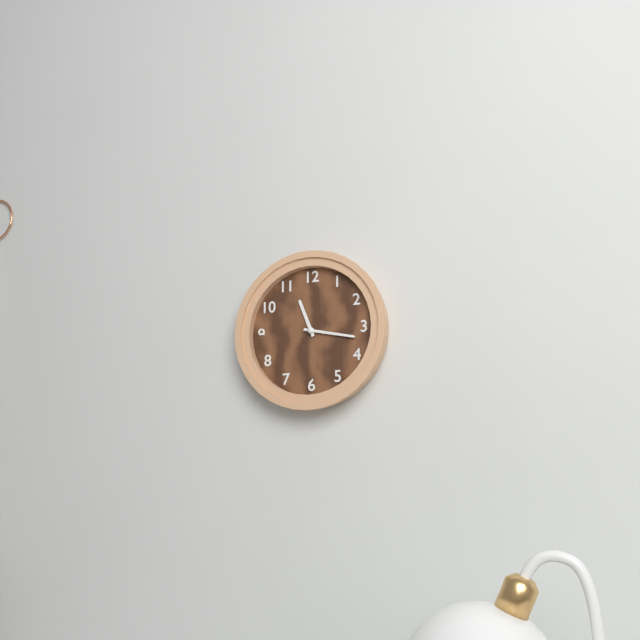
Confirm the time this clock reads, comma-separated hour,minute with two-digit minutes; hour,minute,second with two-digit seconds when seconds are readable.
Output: 11,17
